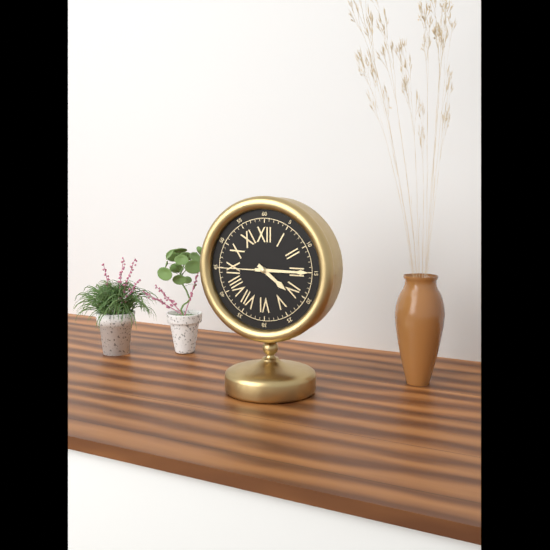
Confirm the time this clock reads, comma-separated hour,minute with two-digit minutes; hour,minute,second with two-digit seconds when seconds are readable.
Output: 4,15,45
